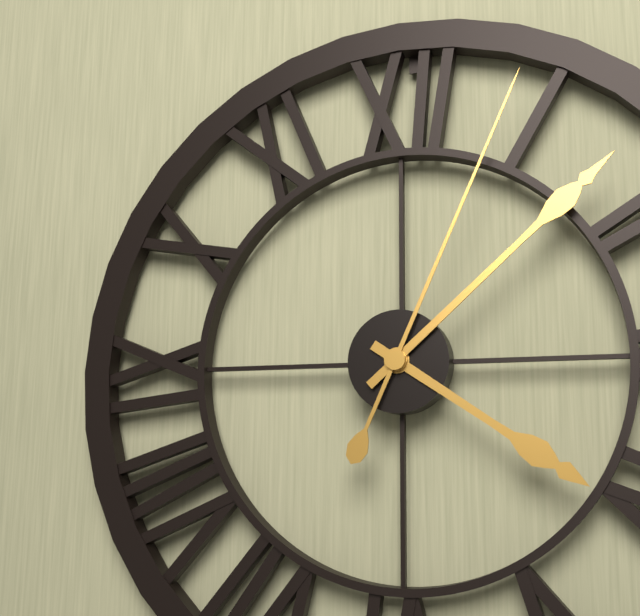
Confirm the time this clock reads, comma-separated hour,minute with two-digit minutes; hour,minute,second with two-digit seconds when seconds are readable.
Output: 4,08,04
